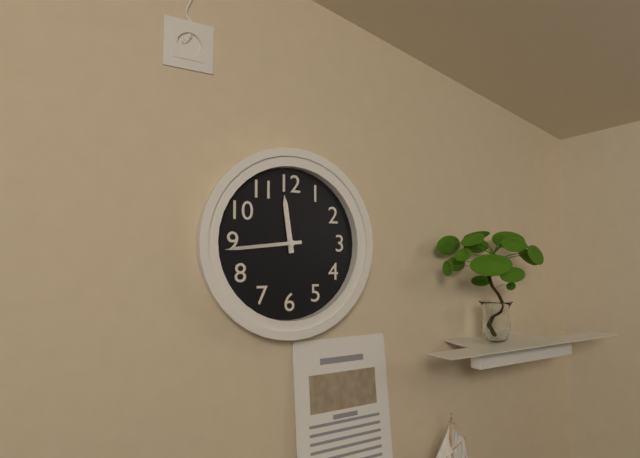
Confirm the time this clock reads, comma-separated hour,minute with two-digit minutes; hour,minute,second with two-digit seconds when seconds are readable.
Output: 11,44
